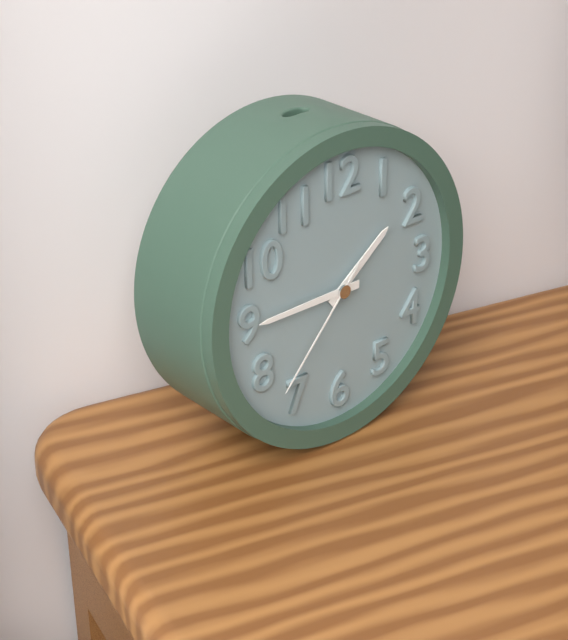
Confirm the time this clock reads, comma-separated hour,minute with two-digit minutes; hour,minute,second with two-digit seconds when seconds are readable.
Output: 1,45,37
